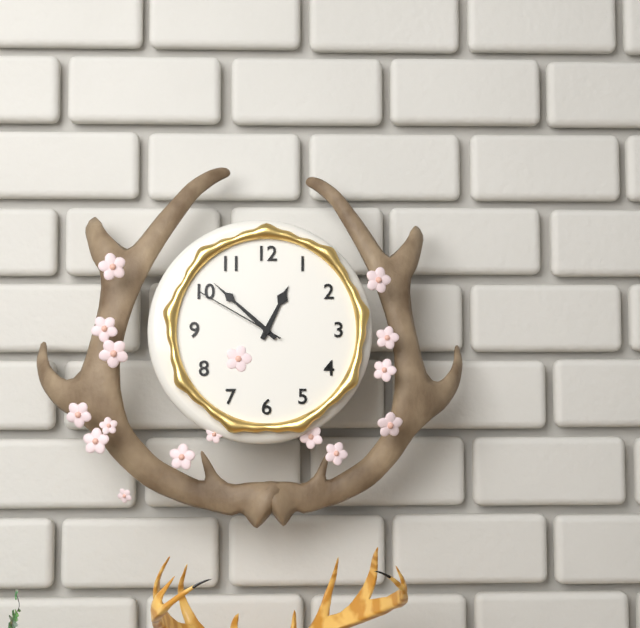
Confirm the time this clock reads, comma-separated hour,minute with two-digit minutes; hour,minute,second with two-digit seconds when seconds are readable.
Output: 12,52,50
